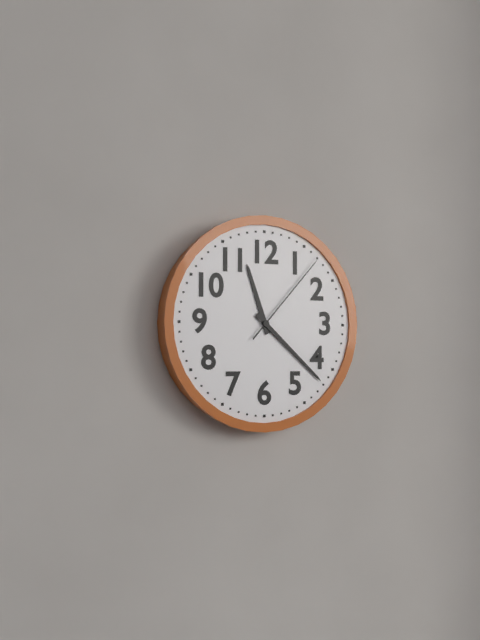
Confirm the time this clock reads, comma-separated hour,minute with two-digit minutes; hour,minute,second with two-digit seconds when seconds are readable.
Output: 11,22,07
